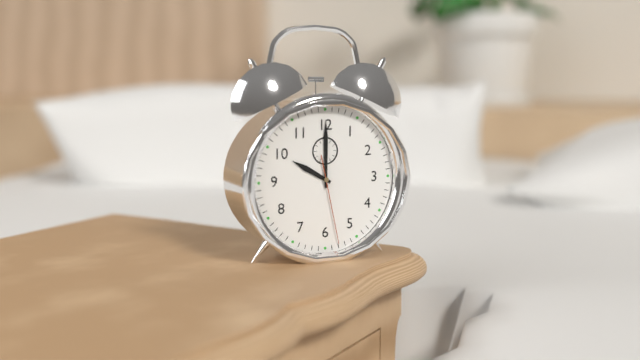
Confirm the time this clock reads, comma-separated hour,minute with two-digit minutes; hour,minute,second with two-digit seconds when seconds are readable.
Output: 10,00,28
